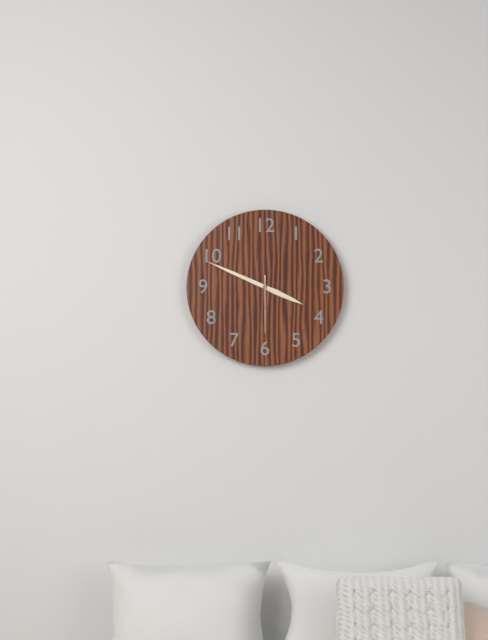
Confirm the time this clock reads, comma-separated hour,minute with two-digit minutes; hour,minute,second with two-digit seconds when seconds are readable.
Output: 3,49,30
